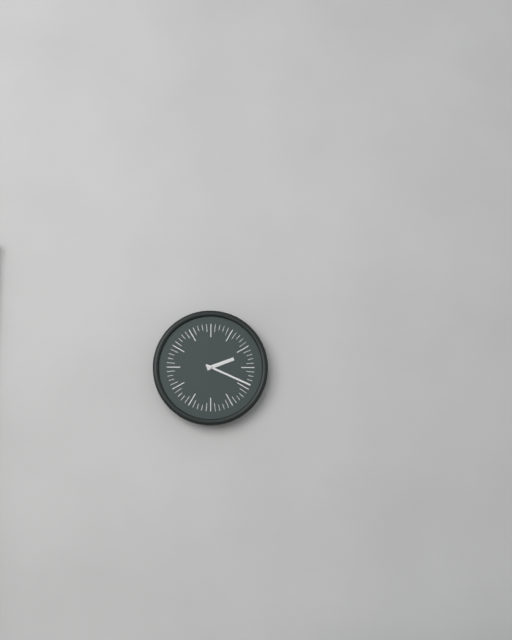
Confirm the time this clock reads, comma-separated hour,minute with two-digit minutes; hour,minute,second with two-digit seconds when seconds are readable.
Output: 2,19
